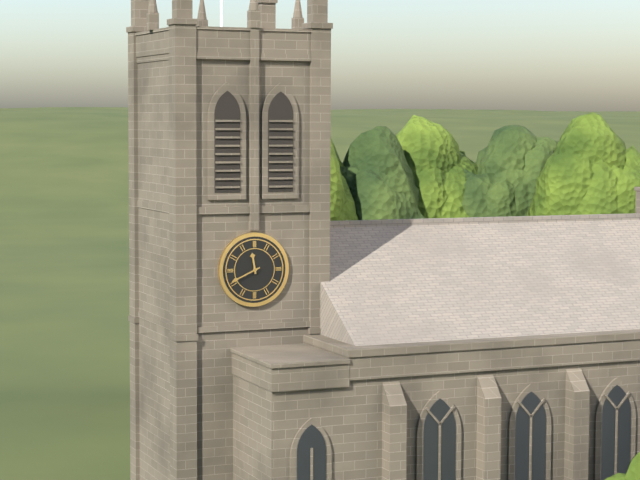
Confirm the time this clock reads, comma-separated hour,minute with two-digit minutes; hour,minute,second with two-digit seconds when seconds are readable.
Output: 11,41
